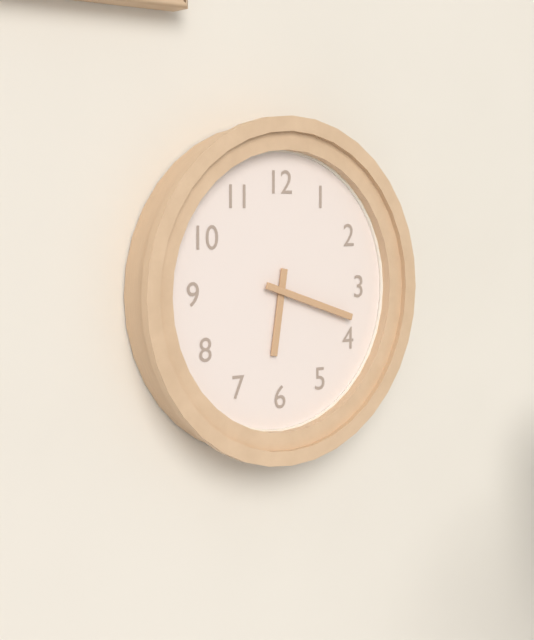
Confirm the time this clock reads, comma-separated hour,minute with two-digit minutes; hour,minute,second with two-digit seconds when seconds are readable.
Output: 6,18
